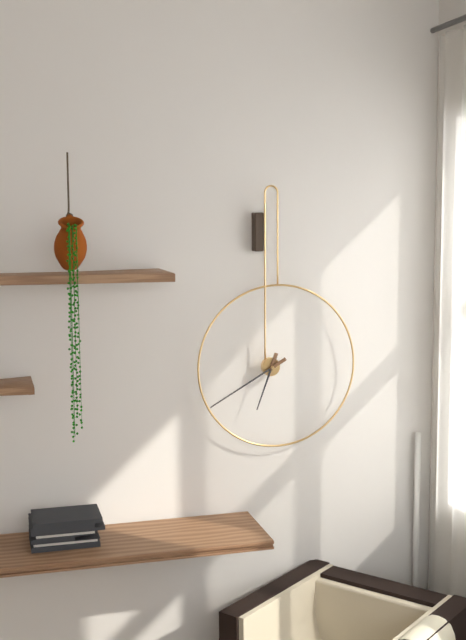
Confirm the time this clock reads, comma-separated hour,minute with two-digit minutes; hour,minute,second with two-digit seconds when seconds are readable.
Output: 6,40
